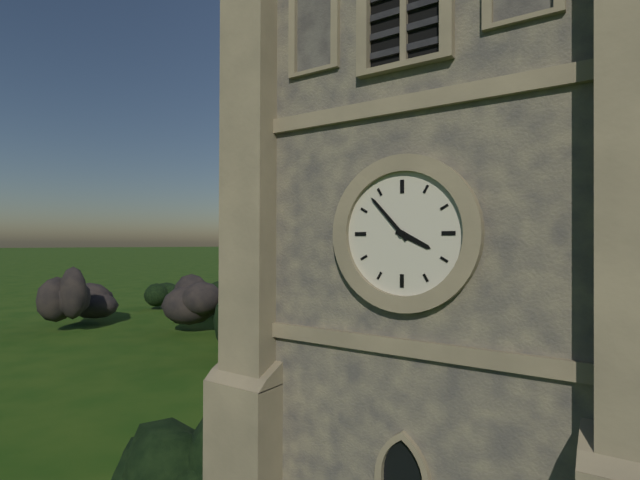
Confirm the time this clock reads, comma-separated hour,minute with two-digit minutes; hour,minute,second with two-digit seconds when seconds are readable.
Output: 3,53
